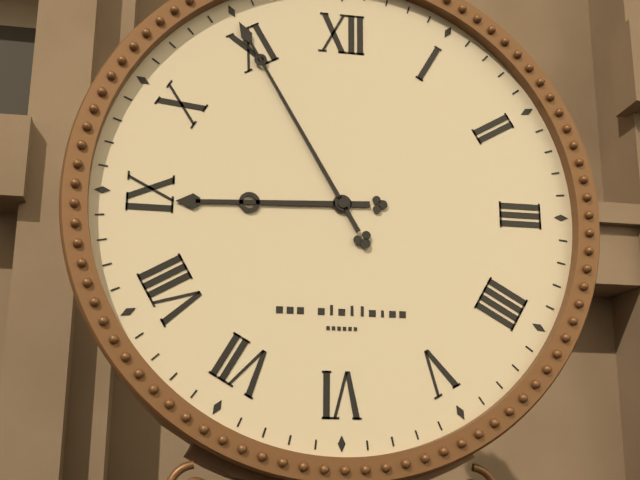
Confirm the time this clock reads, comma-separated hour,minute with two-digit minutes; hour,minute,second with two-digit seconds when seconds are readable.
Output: 8,55
